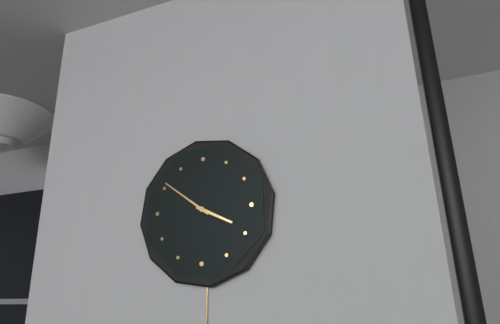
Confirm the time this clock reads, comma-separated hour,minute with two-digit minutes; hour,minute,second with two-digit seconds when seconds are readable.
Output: 3,51
